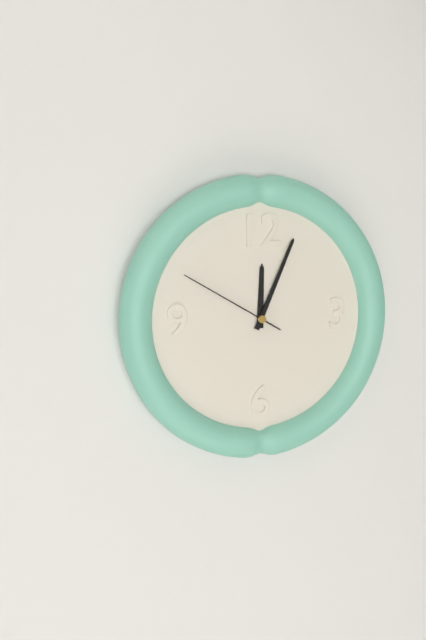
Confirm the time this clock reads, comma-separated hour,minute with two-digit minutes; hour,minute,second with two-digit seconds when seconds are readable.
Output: 12,04,50
